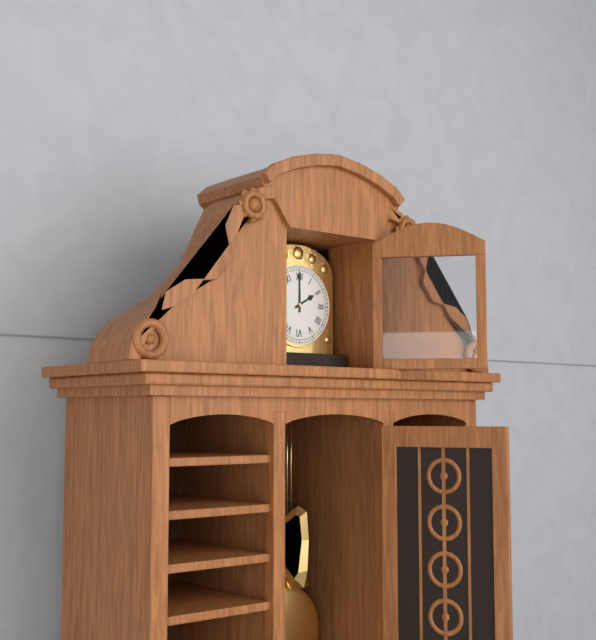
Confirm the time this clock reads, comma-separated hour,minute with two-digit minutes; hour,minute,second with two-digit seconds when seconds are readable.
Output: 2,00
